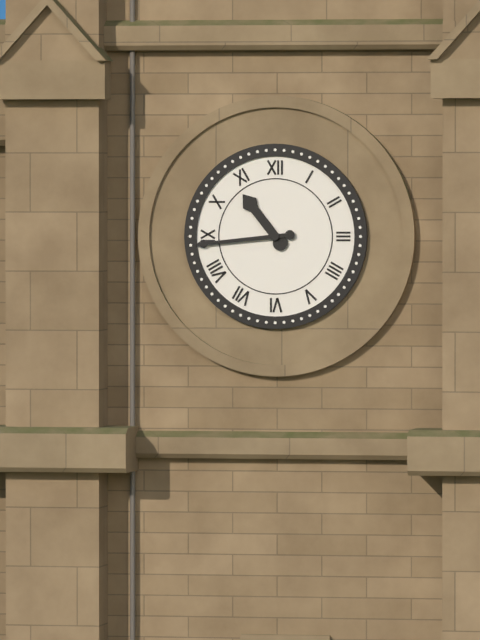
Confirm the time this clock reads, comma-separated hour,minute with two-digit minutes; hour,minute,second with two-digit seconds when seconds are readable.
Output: 10,44
